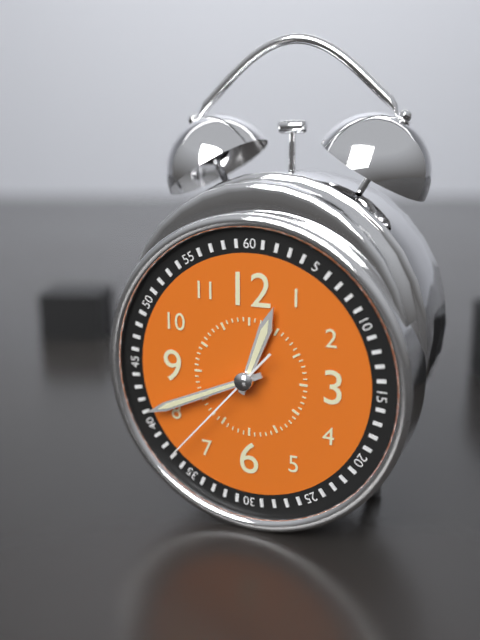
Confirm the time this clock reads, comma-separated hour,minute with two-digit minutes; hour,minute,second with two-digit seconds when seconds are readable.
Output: 12,41,37
